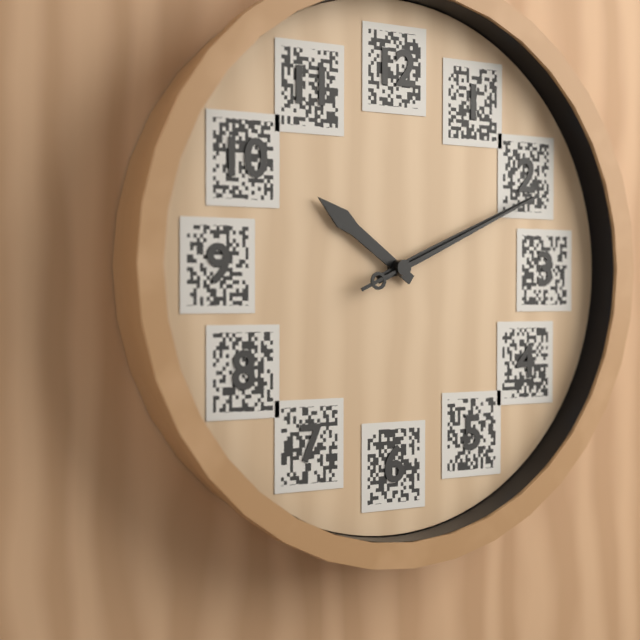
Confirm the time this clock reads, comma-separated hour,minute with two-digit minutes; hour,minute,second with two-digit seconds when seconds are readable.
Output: 10,11,11
